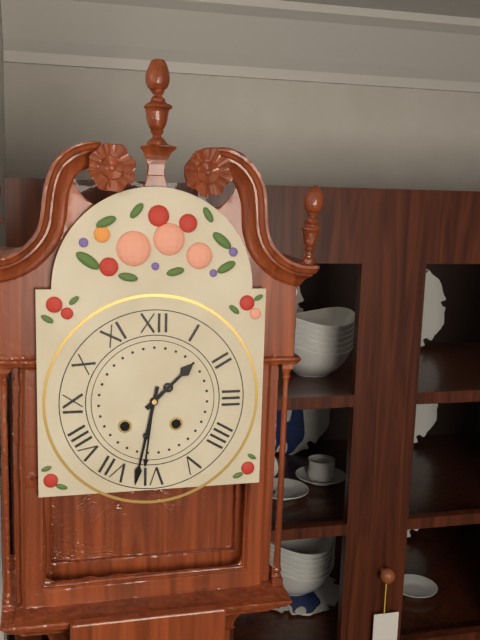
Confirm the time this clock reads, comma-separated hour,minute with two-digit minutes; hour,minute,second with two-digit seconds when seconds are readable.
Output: 1,32
